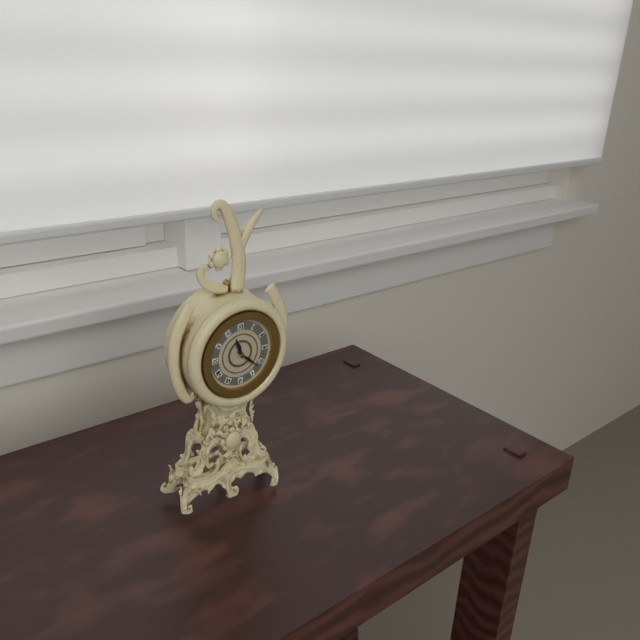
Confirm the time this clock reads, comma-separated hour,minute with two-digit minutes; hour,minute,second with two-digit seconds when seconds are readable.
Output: 11,22
